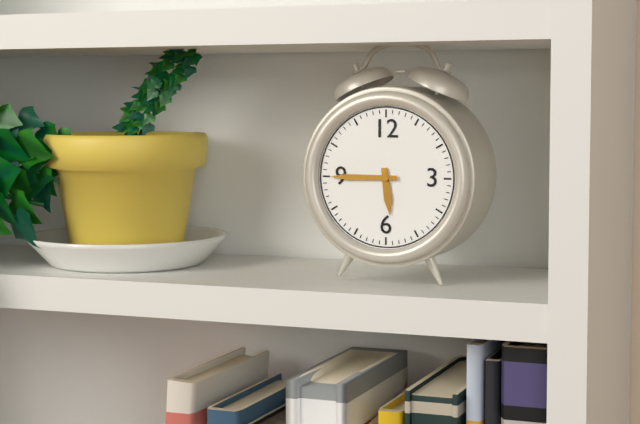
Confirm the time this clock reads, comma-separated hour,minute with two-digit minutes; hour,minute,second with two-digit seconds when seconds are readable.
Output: 5,45
